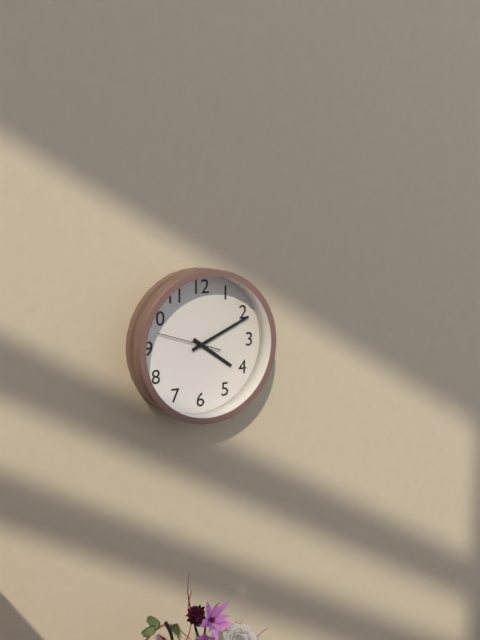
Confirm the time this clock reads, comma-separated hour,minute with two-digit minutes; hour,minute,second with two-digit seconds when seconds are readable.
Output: 4,11,48
